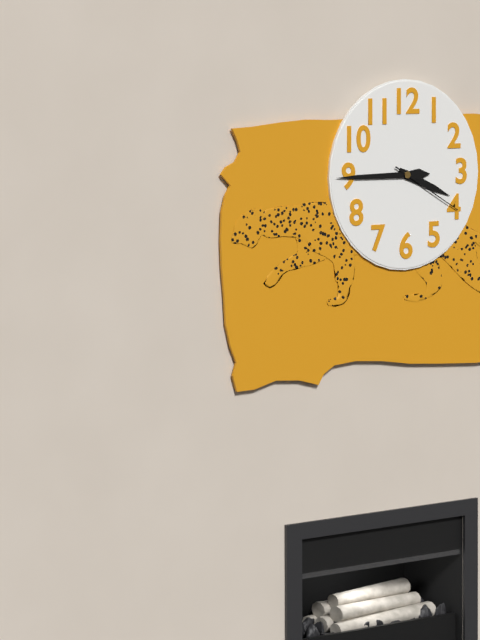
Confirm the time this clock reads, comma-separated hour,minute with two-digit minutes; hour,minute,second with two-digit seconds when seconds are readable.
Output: 3,45,20
